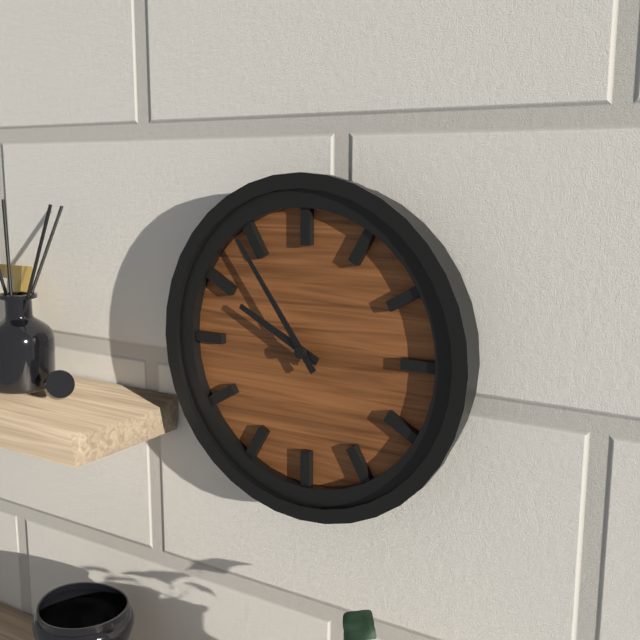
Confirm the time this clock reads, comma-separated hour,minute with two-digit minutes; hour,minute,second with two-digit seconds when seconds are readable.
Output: 9,54
